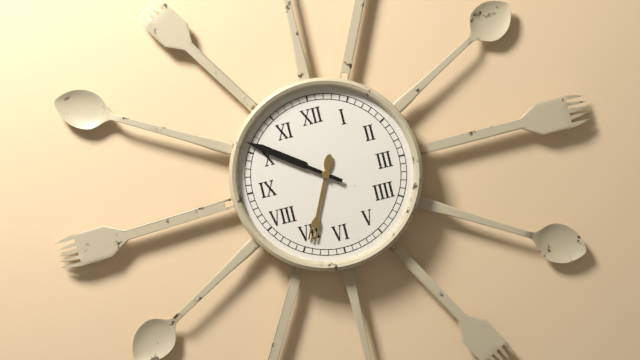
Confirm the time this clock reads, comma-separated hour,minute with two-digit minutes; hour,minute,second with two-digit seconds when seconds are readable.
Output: 6,51
